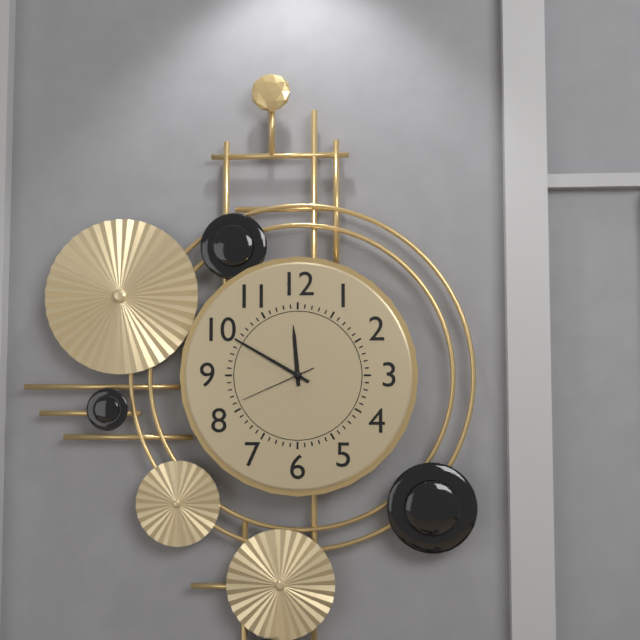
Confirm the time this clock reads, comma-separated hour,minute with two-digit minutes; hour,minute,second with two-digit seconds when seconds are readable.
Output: 11,50,41
